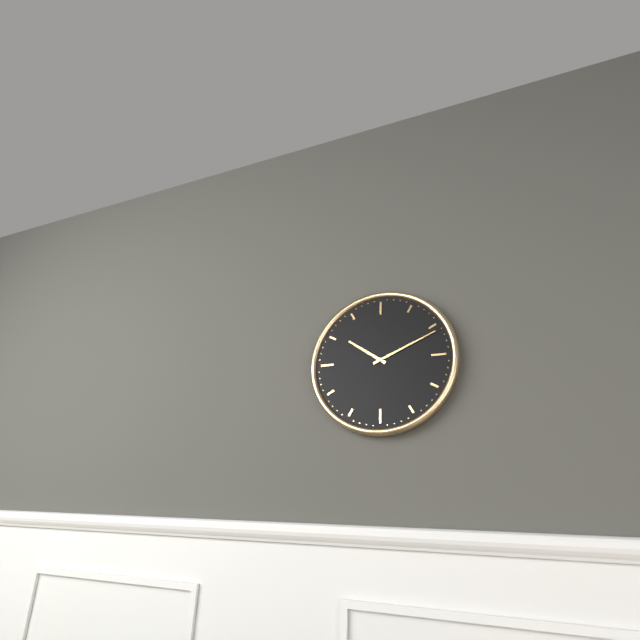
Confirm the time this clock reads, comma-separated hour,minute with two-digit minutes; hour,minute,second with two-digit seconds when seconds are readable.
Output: 10,11
